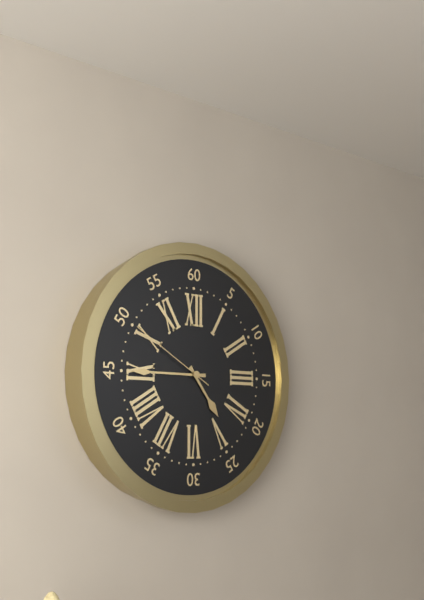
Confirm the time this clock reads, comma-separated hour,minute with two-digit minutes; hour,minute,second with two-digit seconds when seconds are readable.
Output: 4,45,50
